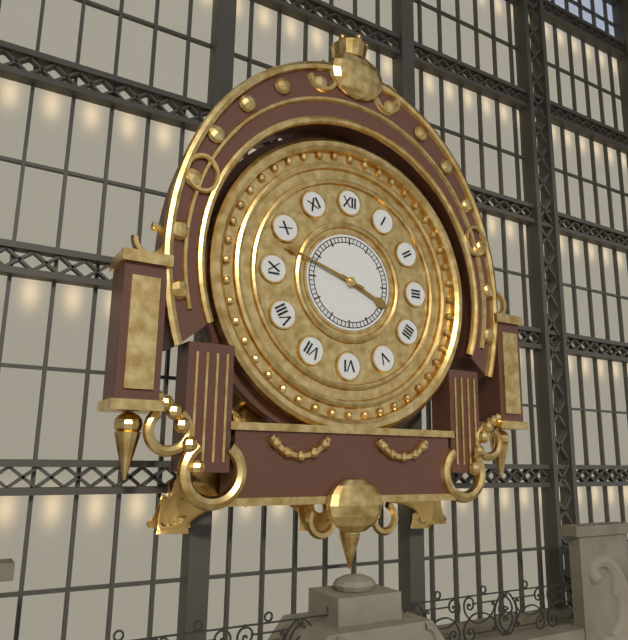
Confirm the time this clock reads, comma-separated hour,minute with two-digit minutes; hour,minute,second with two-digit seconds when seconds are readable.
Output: 3,48
